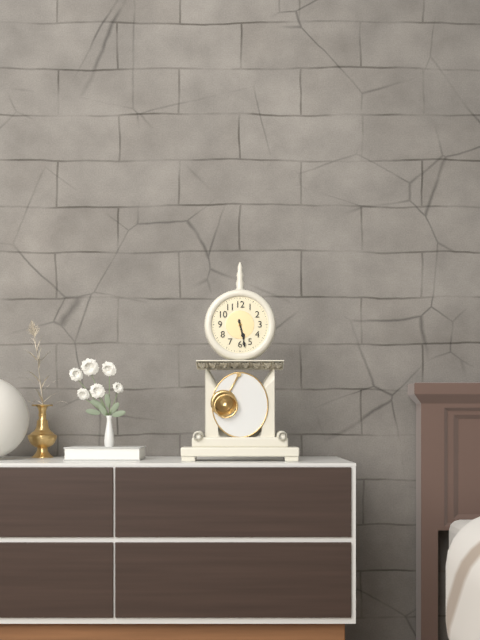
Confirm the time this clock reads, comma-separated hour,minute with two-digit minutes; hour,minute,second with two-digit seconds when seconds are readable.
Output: 5,28
